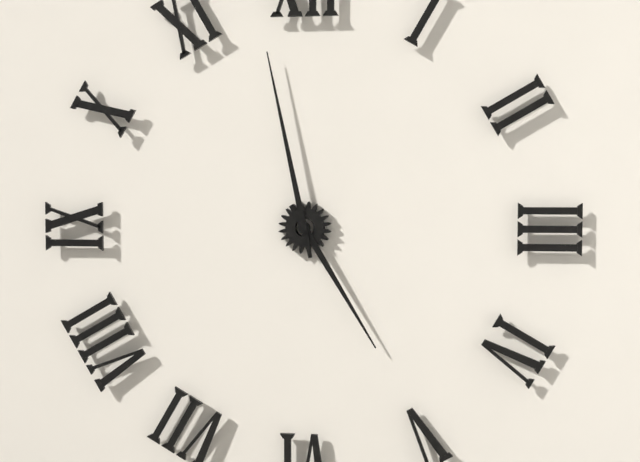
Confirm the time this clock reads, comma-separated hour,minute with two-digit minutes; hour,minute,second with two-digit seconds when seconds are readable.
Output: 4,58
